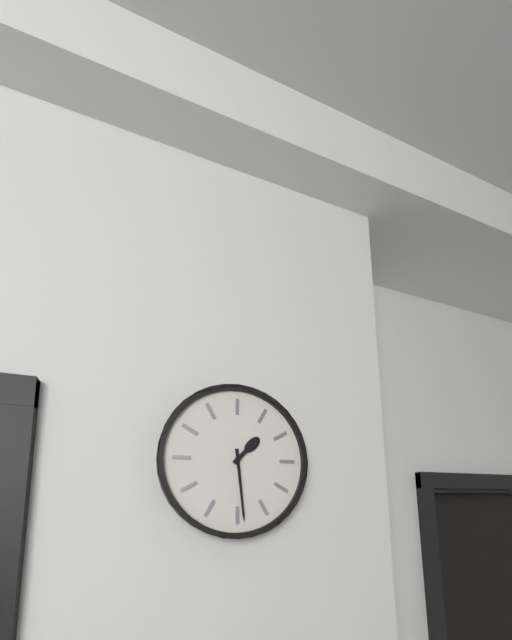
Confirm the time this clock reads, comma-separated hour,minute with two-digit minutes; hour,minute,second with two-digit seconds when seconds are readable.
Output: 1,29
